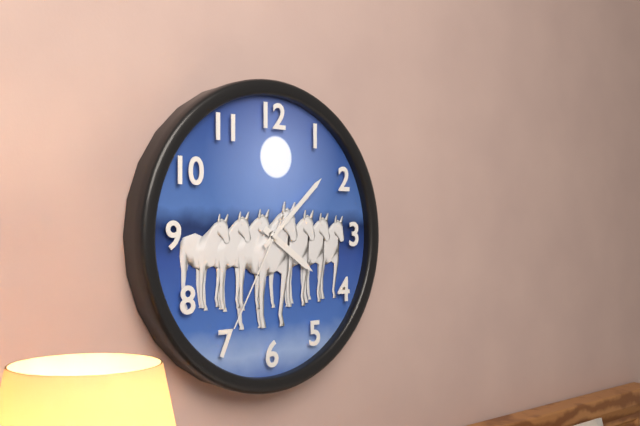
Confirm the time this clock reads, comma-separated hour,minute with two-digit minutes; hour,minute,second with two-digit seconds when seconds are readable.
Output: 4,08,35
